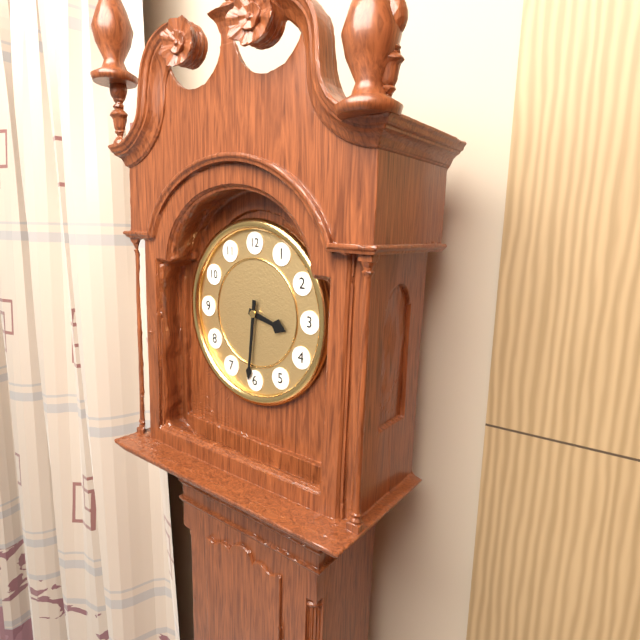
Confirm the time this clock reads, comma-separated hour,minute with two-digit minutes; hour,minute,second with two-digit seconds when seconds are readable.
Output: 3,31
